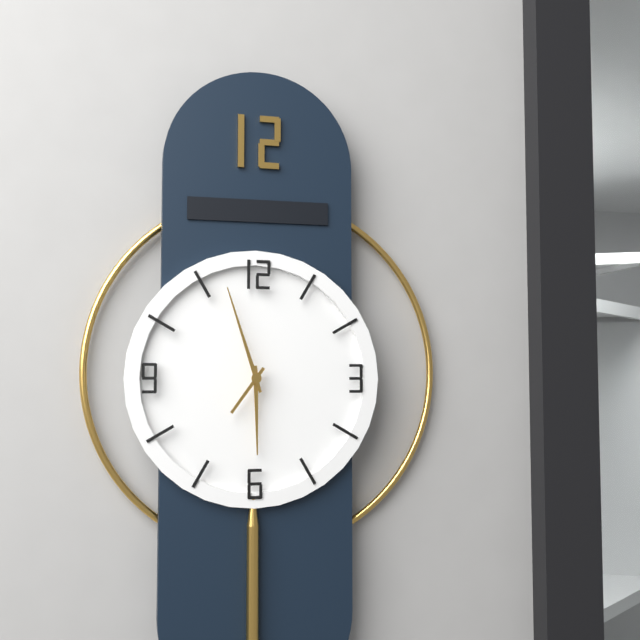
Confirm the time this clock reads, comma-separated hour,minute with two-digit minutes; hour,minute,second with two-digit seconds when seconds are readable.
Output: 5,57,36
